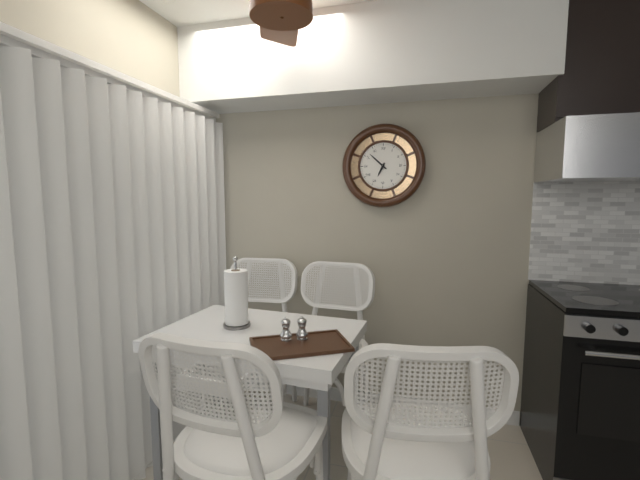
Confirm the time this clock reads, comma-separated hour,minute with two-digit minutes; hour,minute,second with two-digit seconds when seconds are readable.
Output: 6,52
